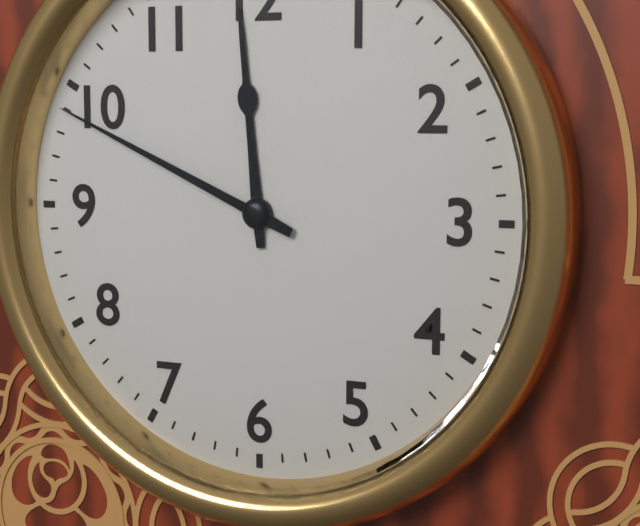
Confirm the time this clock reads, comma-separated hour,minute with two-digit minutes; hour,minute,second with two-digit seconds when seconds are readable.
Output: 11,49
